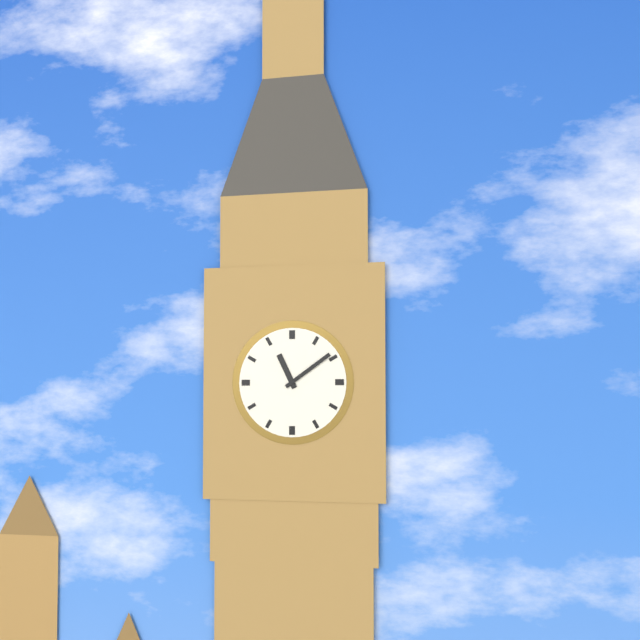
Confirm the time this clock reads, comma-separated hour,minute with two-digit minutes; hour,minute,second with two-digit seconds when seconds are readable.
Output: 11,09
